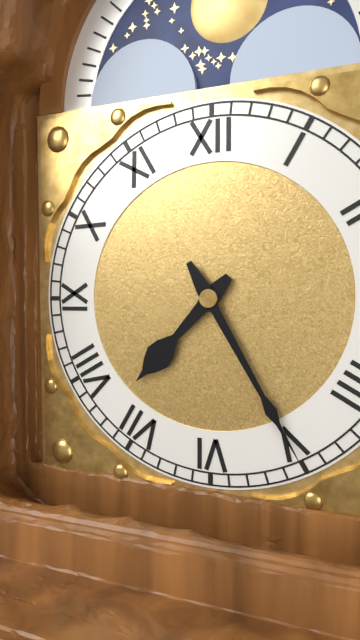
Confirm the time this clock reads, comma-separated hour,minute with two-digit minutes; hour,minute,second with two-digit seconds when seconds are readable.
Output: 7,25
